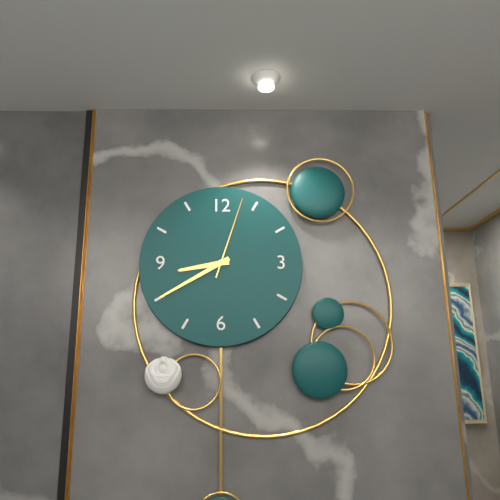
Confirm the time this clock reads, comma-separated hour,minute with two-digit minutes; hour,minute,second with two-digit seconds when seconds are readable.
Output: 8,40,03
